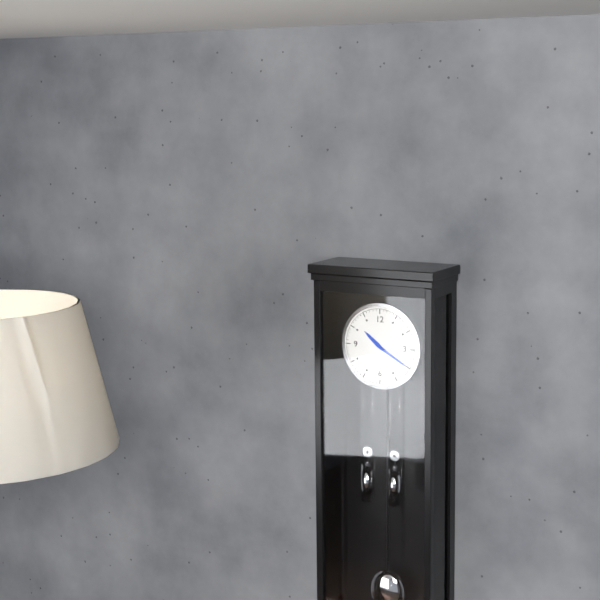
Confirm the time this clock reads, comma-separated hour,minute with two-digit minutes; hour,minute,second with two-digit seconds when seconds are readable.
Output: 10,20
